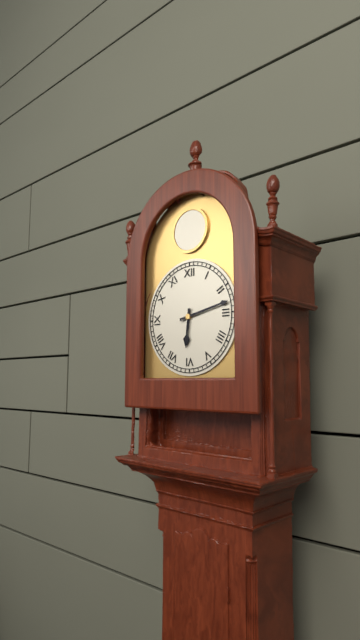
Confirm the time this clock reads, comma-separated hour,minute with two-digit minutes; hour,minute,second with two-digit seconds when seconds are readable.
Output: 6,13
